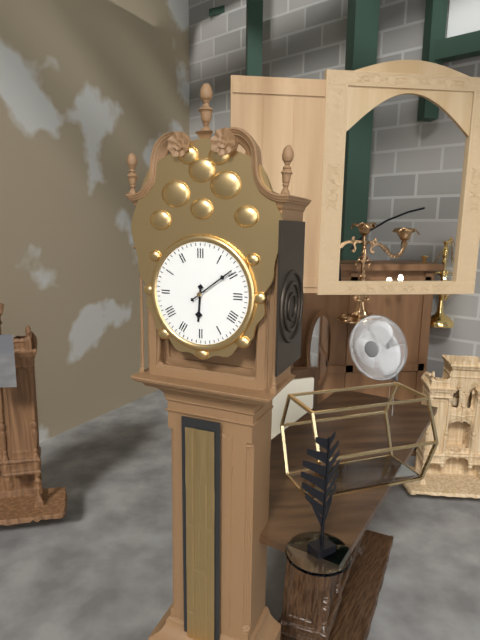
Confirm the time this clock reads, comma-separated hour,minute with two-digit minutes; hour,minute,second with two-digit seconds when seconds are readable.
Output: 6,09
